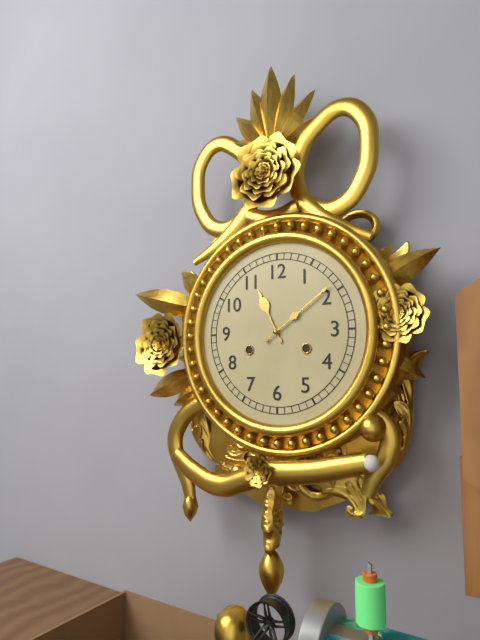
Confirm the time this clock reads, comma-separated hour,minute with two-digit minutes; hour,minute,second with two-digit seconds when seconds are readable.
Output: 11,09
